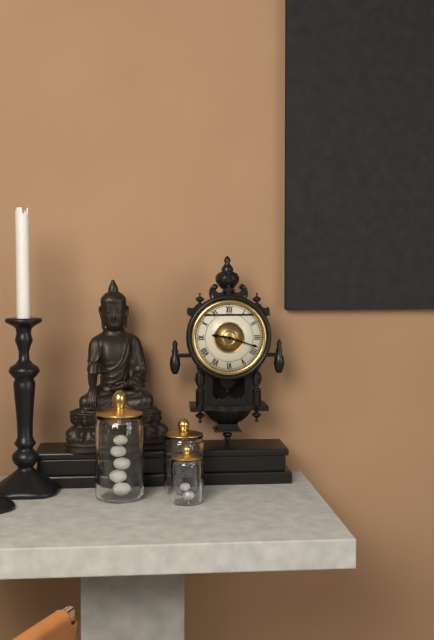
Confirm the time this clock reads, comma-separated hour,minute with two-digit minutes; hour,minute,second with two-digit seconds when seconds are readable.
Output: 9,18
